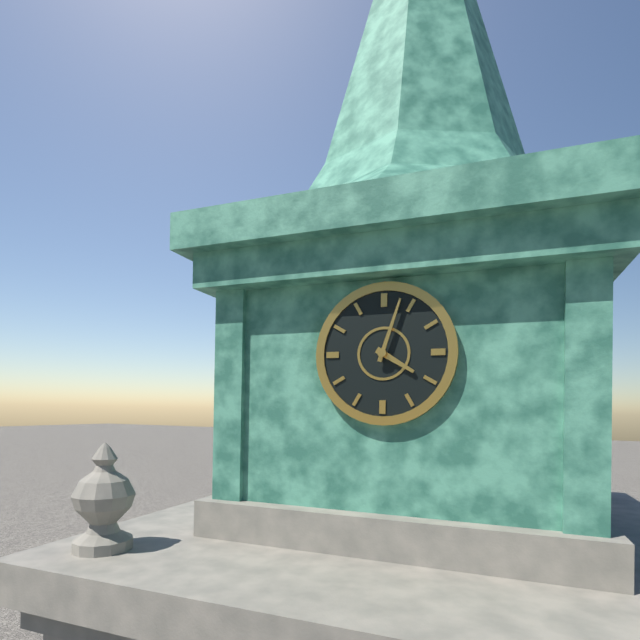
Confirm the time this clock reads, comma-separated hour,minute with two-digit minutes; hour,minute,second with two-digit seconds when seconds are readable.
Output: 4,03
